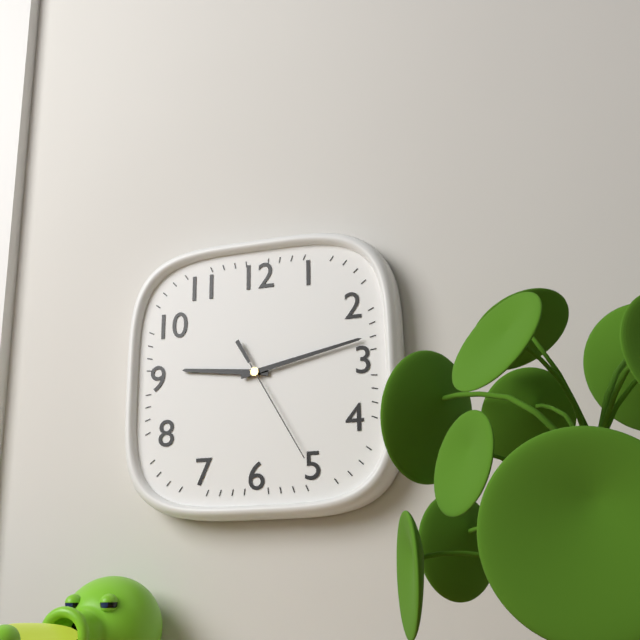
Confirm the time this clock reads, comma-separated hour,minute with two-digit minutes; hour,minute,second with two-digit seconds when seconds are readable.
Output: 9,13,25
